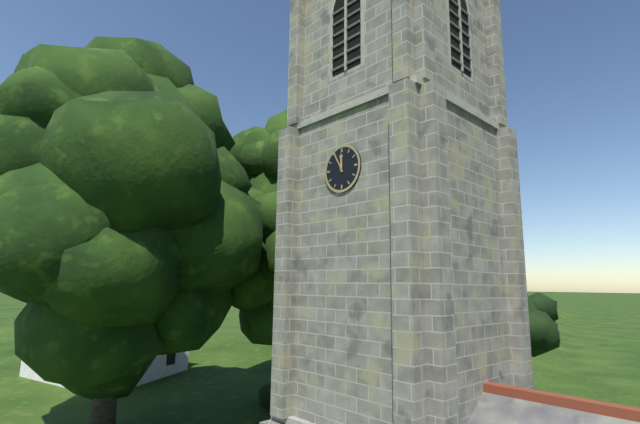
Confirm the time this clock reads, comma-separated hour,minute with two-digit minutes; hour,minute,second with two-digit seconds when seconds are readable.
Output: 11,55
